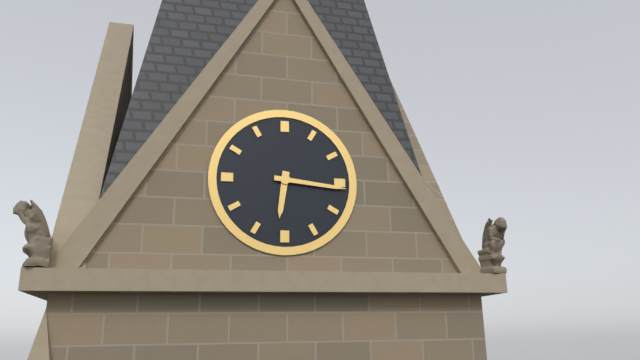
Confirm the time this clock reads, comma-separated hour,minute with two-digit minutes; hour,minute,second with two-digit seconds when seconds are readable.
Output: 6,16
